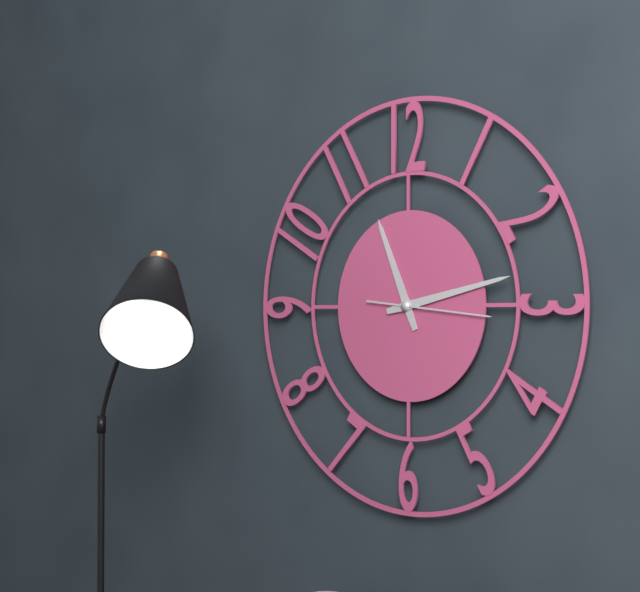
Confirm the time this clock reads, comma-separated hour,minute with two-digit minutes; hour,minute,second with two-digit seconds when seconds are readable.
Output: 11,13,16
